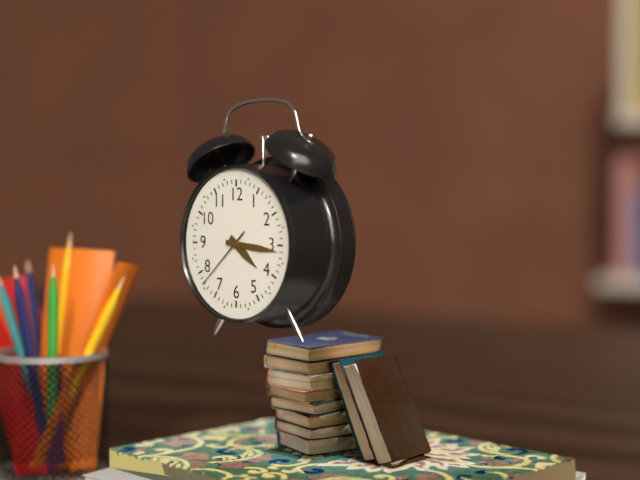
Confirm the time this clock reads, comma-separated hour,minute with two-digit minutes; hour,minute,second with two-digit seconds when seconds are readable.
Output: 4,16,38
